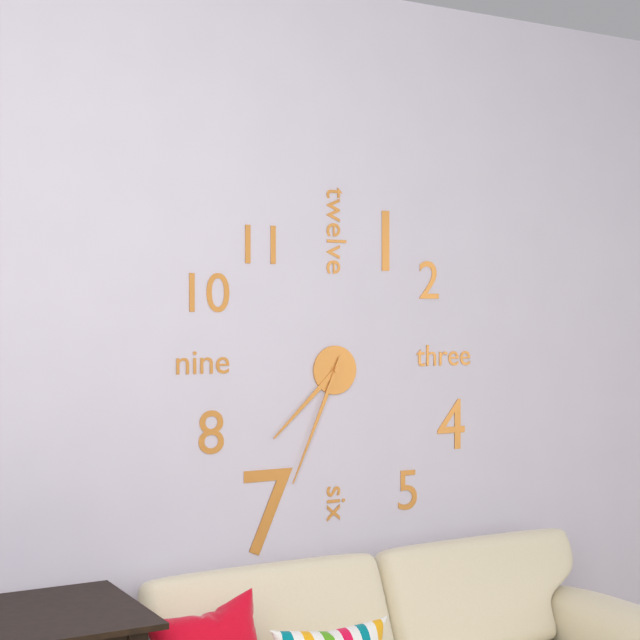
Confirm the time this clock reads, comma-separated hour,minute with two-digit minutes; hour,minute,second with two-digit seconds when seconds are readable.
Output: 7,34
